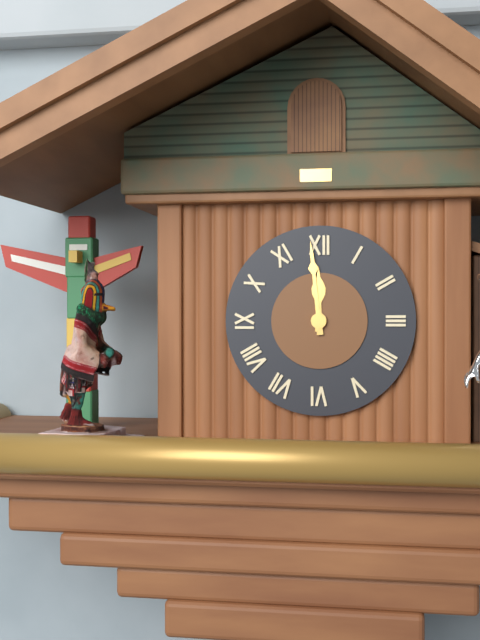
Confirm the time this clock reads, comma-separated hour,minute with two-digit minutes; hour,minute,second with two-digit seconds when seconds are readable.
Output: 11,59
